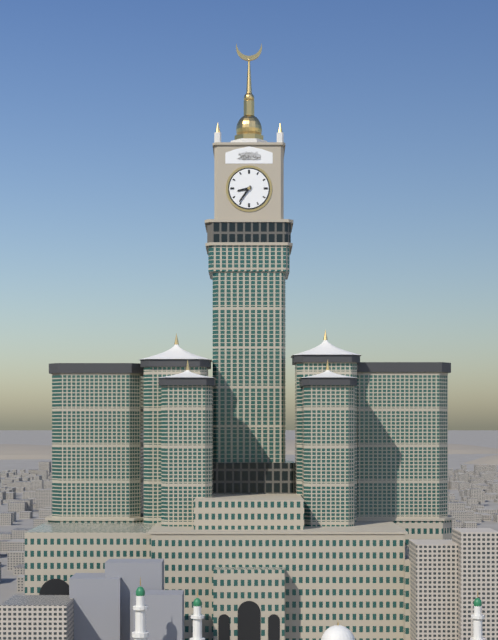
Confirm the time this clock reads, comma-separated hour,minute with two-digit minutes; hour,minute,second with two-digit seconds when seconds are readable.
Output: 8,36
